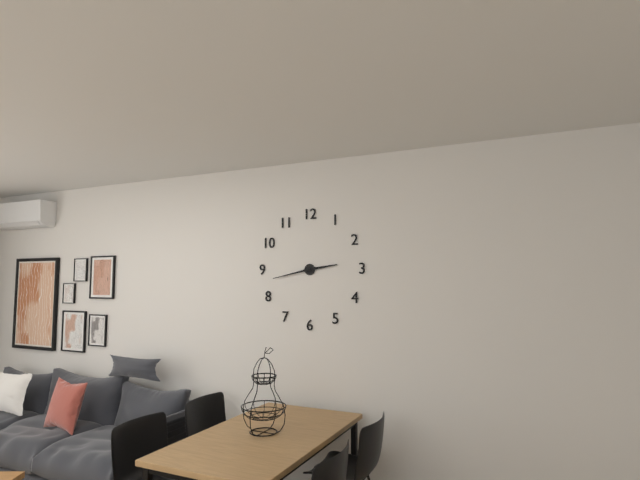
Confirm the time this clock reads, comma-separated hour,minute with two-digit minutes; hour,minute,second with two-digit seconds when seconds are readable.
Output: 2,43
